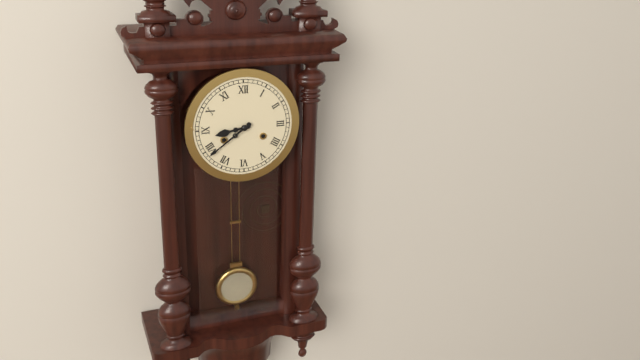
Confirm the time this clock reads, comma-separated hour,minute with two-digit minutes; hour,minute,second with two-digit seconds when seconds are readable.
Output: 8,39
